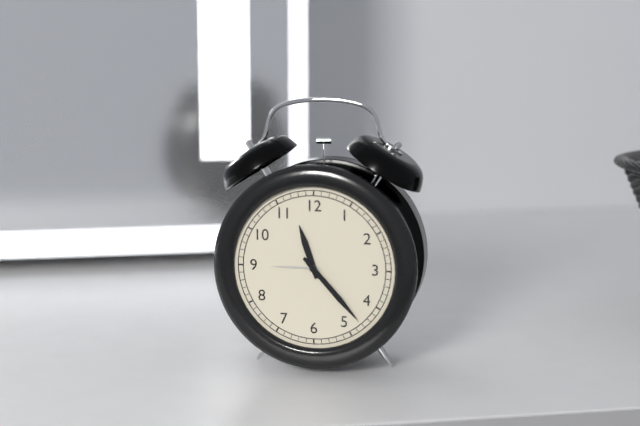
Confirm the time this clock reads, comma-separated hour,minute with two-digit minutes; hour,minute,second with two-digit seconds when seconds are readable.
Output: 11,23
